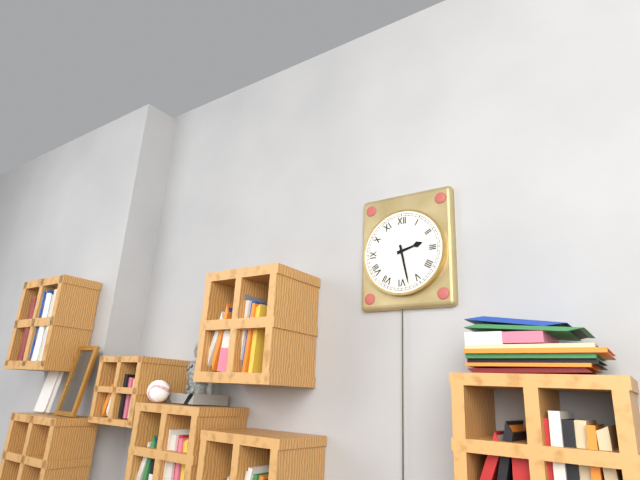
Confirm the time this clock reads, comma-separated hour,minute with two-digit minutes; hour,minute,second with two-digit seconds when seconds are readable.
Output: 2,28
